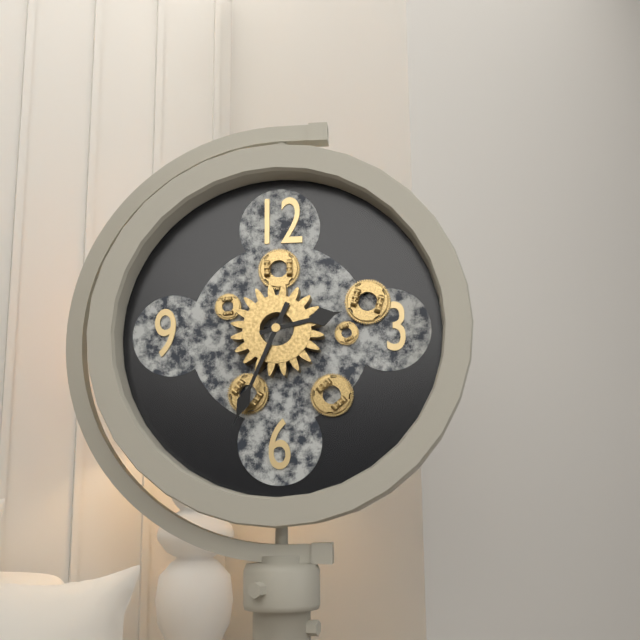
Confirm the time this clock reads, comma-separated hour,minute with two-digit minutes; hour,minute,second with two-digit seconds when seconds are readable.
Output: 2,34
